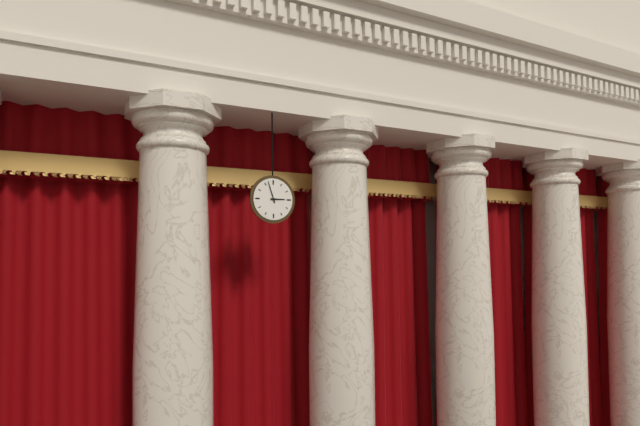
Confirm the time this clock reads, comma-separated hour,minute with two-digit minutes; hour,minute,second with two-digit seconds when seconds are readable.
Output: 2,57
